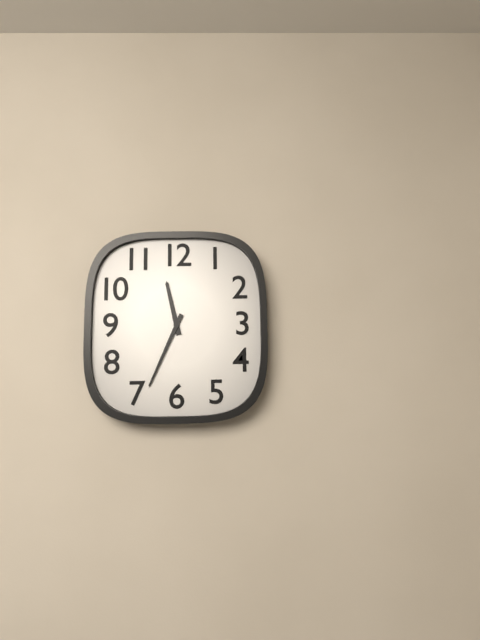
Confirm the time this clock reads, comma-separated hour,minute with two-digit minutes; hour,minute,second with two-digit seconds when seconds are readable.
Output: 11,34
